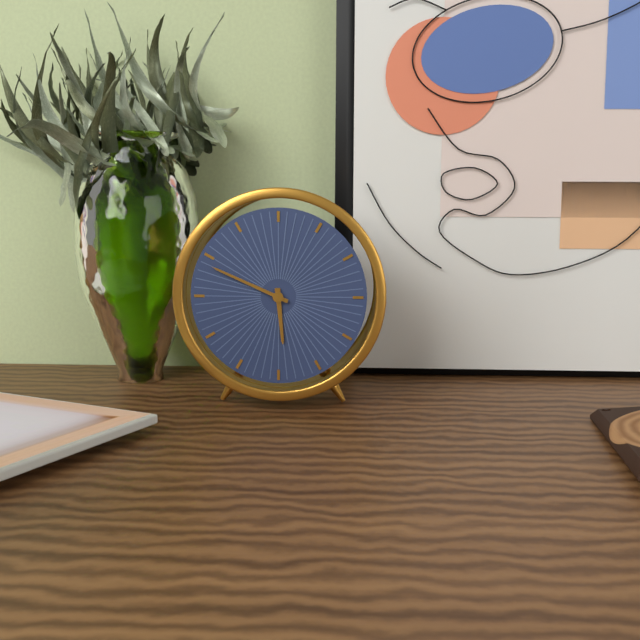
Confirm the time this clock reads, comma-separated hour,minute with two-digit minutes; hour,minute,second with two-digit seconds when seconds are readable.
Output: 5,49
